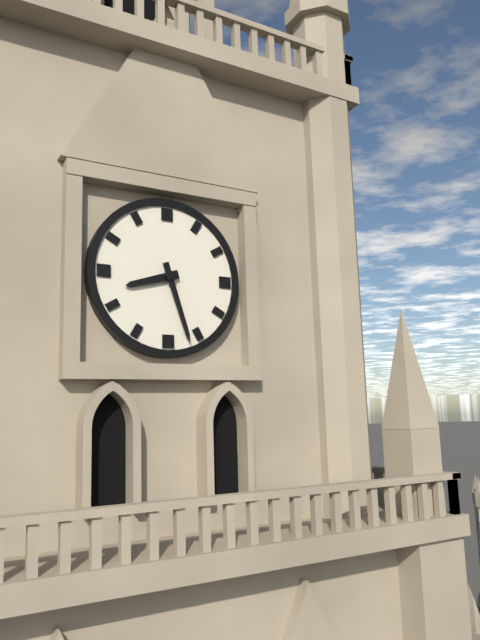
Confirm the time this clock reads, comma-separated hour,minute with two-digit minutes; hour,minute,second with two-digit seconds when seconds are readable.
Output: 8,27
